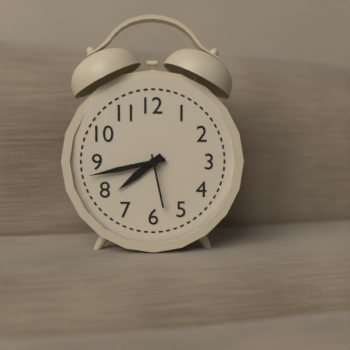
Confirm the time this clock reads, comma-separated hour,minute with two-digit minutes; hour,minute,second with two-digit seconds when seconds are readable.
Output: 7,43,28
